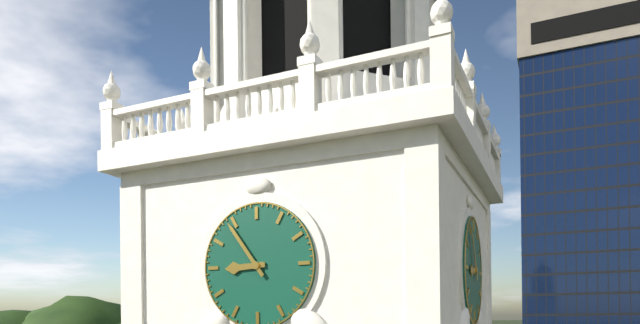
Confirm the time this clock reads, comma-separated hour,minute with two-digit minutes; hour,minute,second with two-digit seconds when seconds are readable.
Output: 8,54
